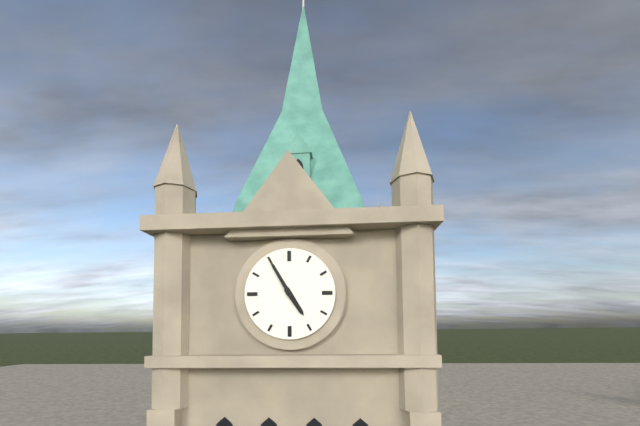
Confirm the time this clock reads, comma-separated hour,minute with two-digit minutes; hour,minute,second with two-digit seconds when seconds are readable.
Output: 4,55
